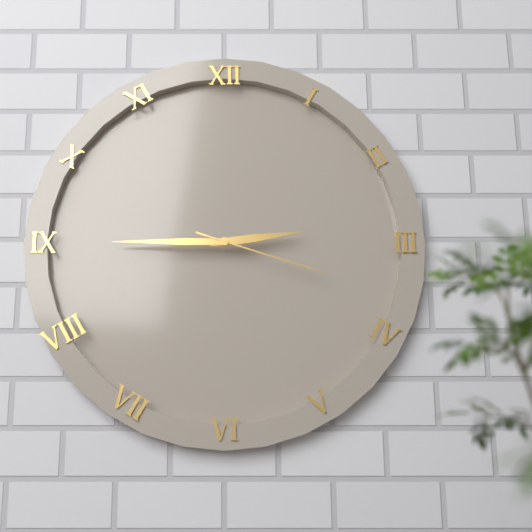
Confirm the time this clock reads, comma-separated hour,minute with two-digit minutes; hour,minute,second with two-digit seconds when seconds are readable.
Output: 2,45,18
